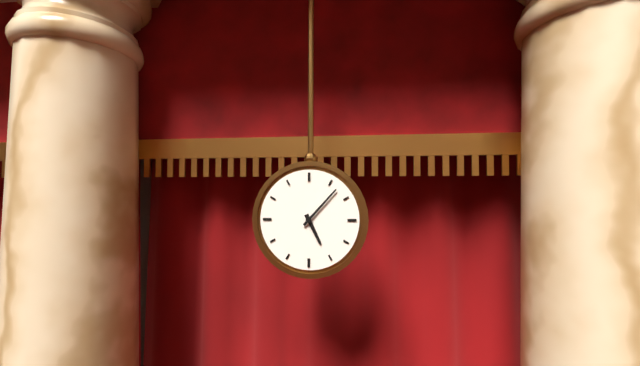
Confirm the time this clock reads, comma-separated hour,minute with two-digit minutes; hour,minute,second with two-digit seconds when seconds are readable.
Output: 5,07
